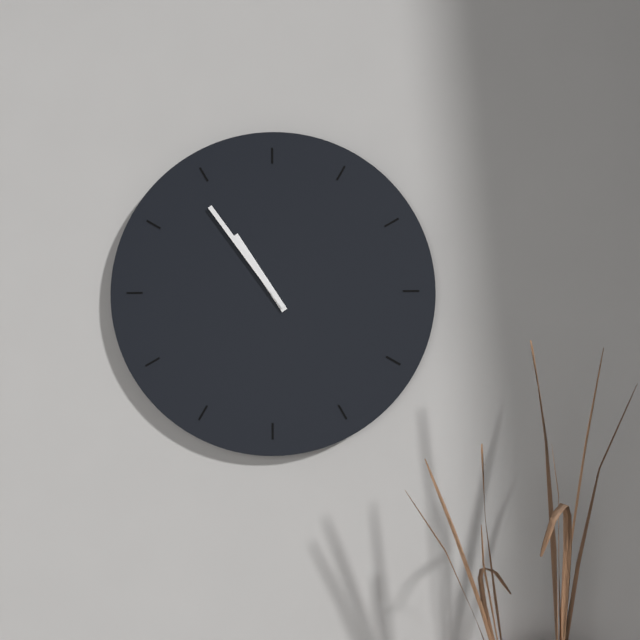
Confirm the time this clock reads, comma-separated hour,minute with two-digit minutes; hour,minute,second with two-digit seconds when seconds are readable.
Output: 10,54
